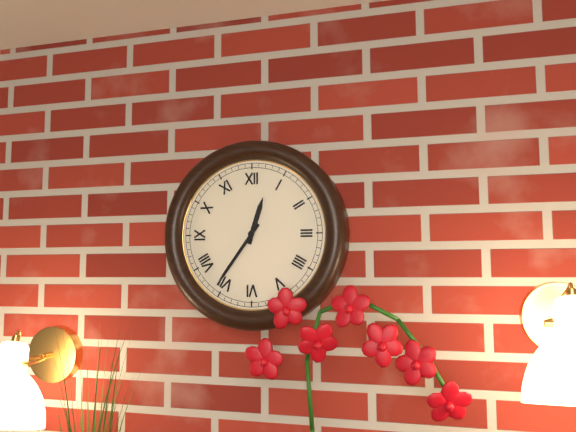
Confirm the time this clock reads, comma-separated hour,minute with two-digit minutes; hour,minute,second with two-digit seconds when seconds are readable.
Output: 12,36
